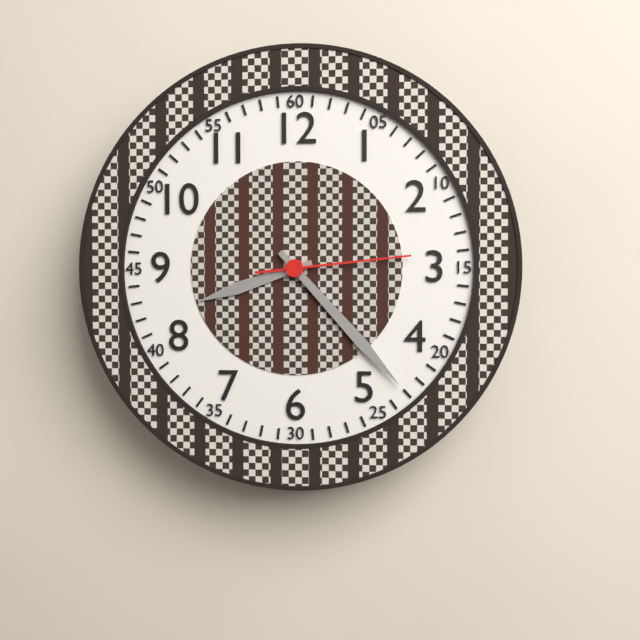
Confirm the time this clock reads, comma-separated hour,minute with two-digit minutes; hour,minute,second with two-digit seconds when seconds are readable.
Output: 8,23,14
